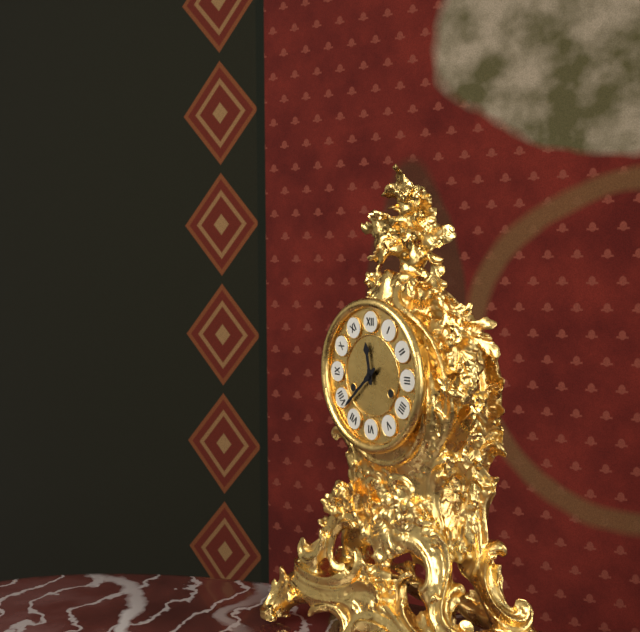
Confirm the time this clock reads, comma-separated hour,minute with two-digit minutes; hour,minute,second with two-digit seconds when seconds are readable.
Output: 11,38
